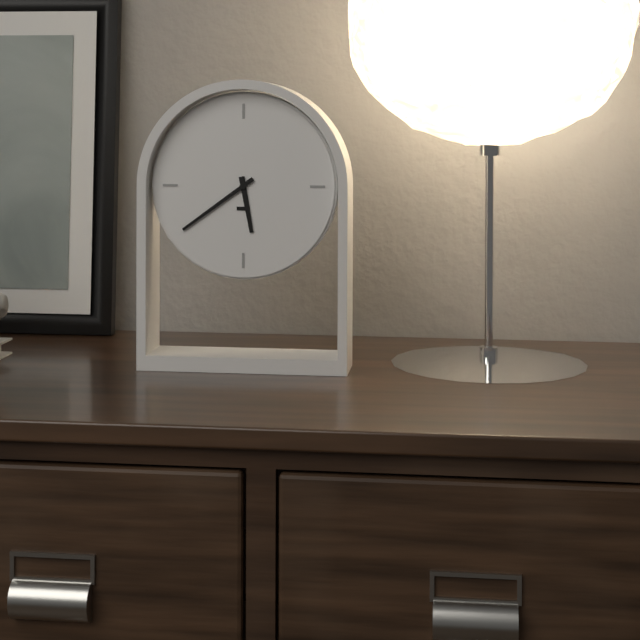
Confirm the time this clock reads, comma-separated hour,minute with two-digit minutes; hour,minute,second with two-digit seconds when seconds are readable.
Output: 5,39
